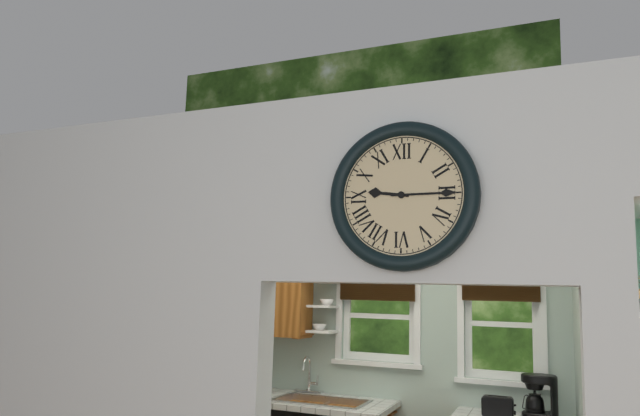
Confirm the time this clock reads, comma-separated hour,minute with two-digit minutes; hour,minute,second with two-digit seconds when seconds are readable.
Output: 9,15
